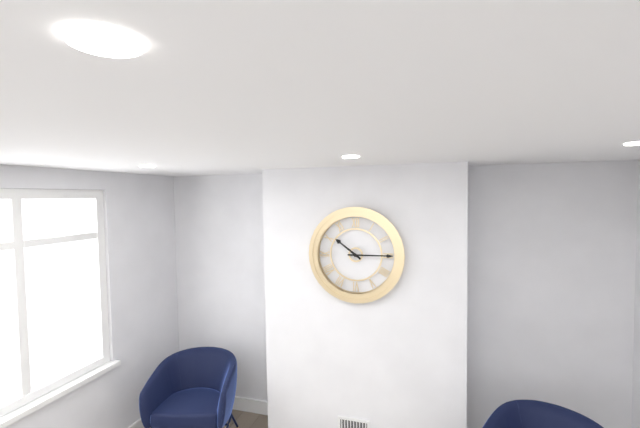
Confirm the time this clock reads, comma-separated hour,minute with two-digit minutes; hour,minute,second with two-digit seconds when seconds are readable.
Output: 10,15
